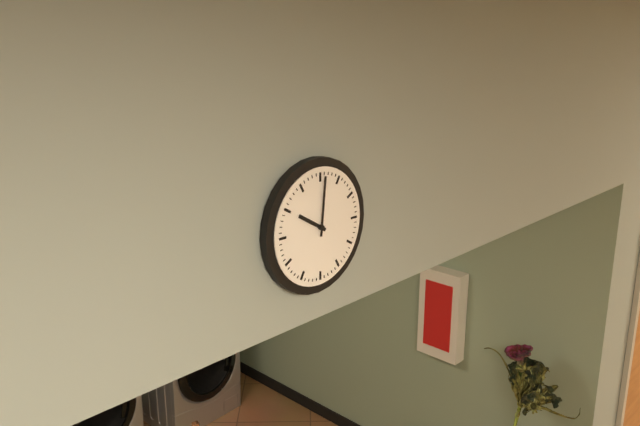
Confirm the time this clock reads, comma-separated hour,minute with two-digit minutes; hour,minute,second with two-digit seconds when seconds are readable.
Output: 10,01
